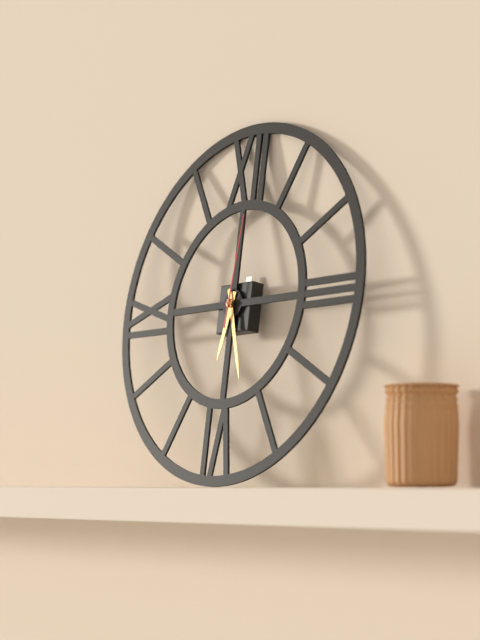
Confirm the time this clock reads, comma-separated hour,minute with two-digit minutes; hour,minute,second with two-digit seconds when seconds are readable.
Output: 6,27,01
